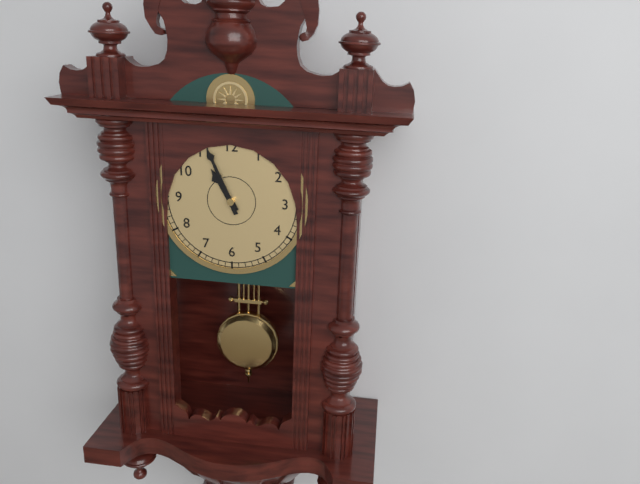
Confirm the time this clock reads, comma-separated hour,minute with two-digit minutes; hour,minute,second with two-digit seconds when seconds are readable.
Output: 10,56
